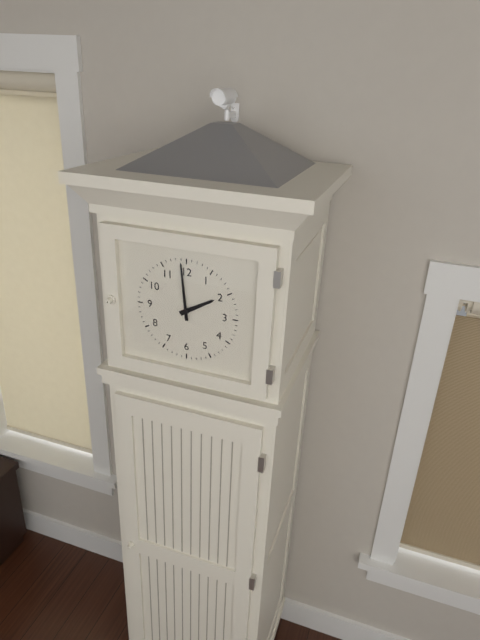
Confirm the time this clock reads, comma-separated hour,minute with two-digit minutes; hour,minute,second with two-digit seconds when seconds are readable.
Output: 1,59
